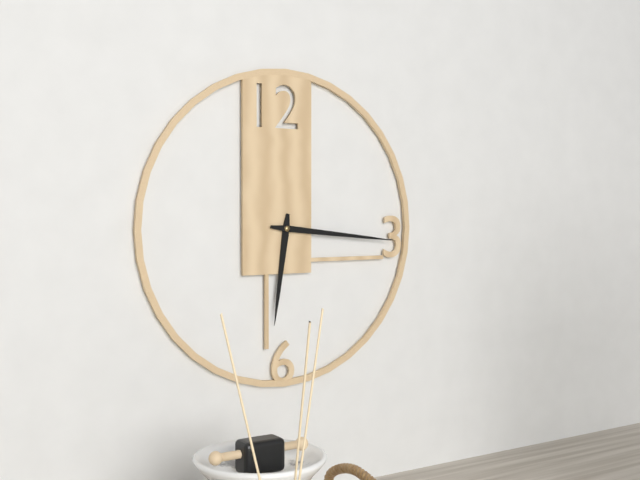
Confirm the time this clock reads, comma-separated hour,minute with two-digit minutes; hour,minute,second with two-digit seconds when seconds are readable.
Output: 6,16
